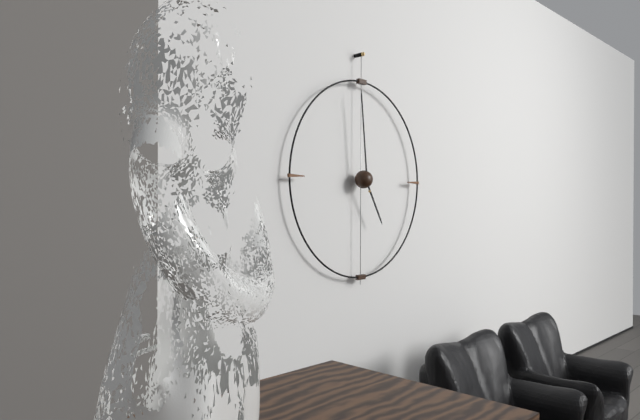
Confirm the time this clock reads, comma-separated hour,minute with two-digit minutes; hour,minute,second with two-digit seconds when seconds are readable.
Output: 4,59
